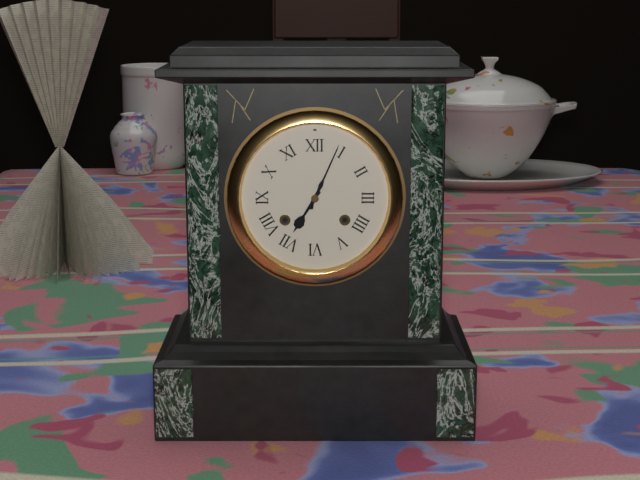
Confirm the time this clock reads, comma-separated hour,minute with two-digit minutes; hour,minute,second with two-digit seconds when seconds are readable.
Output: 7,04
